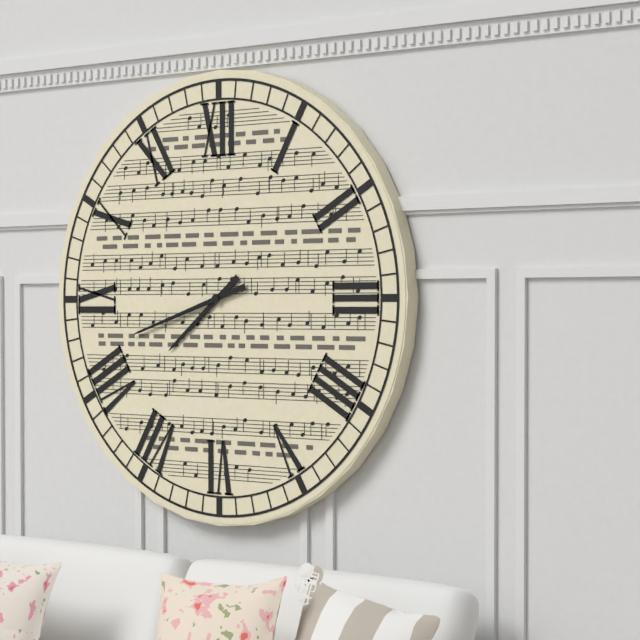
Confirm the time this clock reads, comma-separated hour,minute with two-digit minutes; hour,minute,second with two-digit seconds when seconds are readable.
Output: 7,42
